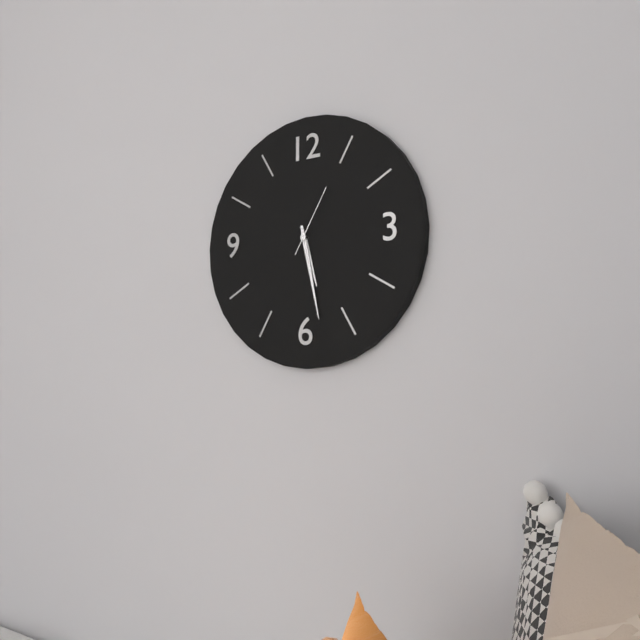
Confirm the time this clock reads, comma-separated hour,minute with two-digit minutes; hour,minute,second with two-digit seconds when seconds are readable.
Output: 5,28,05
